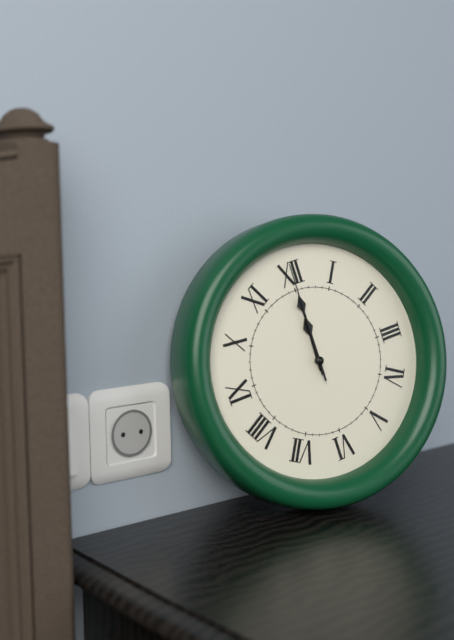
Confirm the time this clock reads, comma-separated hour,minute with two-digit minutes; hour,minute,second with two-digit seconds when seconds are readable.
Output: 12,00,00
